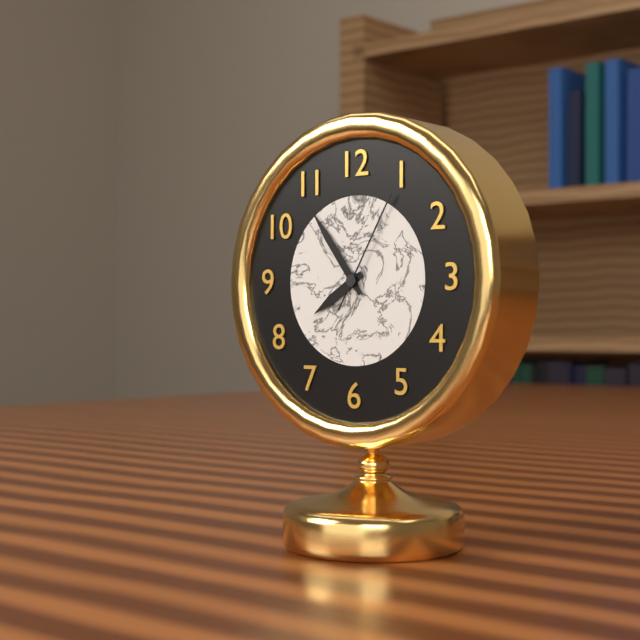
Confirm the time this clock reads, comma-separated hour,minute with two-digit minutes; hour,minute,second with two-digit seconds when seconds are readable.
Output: 7,54,05
